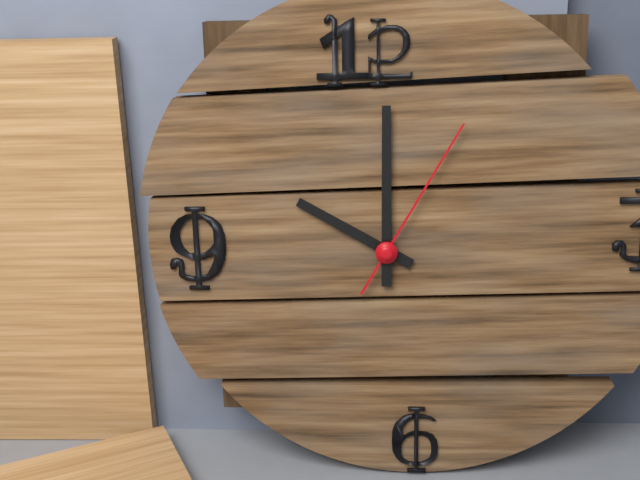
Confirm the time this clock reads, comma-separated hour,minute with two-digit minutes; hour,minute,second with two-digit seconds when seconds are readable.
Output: 10,00,05
